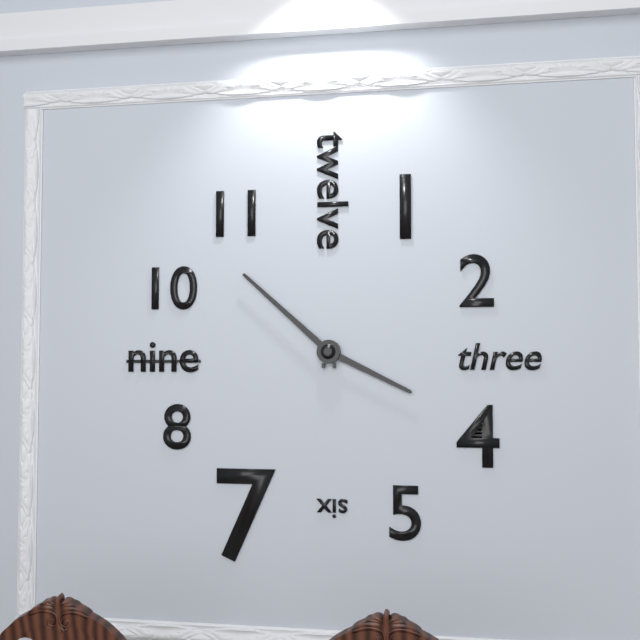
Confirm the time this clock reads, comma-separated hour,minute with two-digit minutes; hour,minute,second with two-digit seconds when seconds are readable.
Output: 3,52
